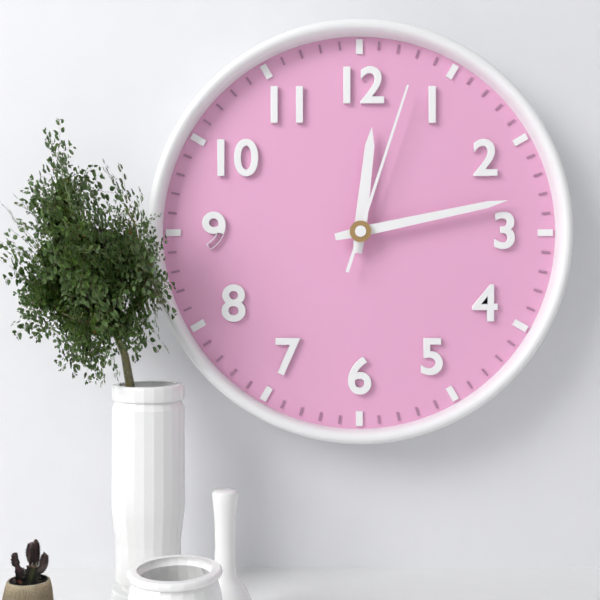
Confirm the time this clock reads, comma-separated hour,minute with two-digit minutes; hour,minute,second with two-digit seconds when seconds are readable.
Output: 12,13,03
